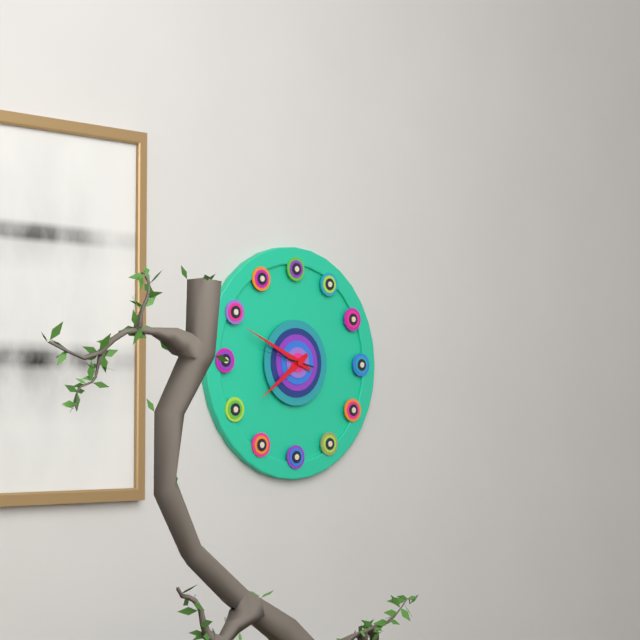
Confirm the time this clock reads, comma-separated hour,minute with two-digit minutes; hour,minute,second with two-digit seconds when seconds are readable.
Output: 7,49,47
